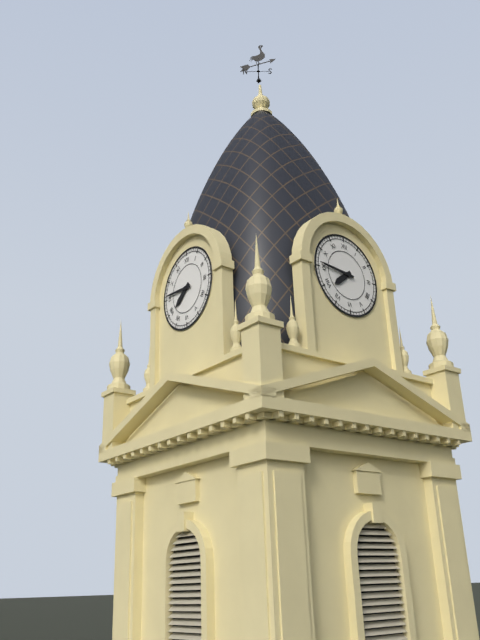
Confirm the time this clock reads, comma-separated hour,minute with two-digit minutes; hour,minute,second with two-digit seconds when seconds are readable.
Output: 7,46
